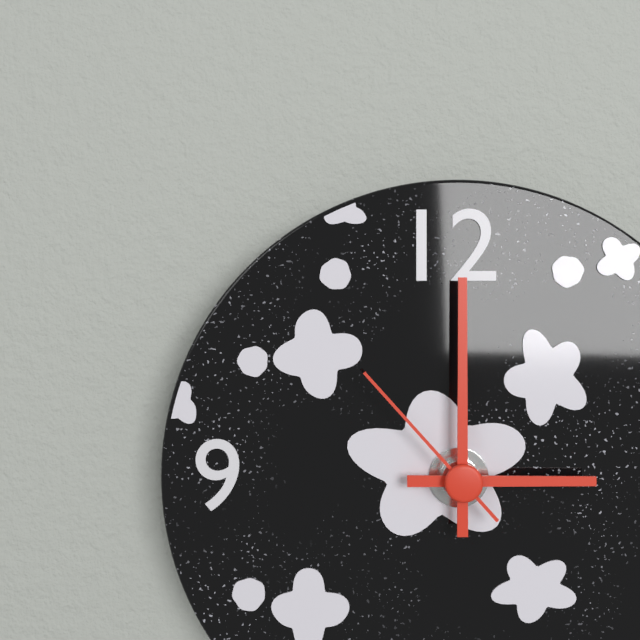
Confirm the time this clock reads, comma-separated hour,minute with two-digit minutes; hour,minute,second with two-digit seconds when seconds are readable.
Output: 3,00,53
